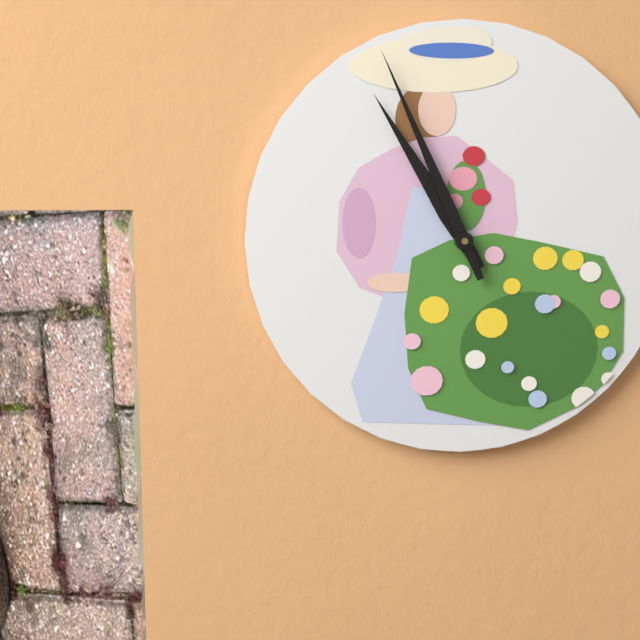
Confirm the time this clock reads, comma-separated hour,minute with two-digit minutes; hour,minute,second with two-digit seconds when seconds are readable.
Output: 10,56
